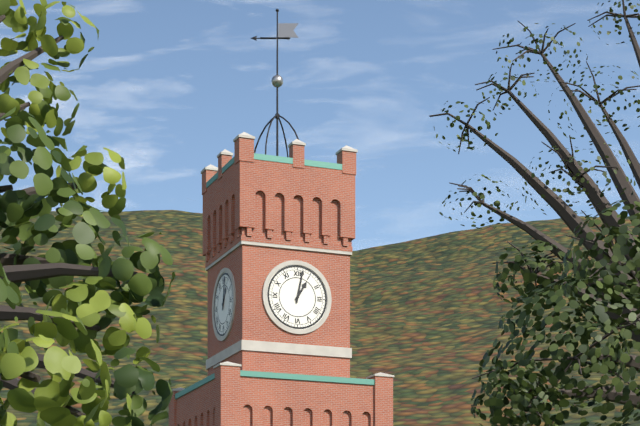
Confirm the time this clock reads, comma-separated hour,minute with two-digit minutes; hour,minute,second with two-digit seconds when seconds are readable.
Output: 1,02
